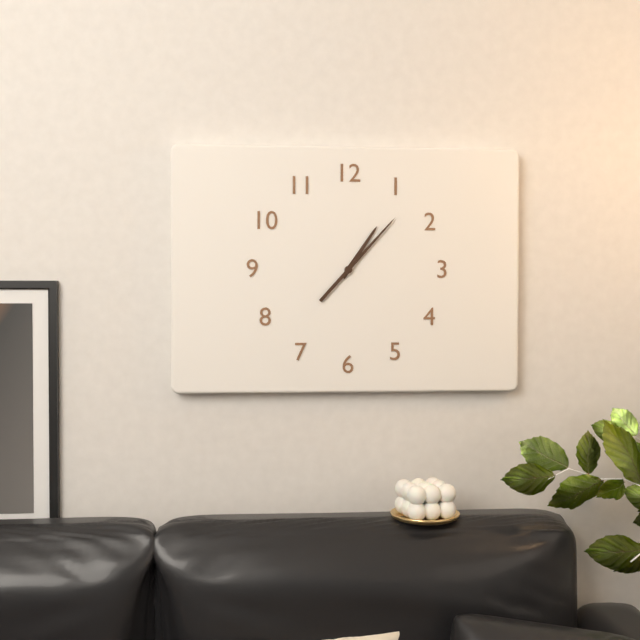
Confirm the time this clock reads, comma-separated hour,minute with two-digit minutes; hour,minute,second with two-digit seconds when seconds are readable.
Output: 1,07
